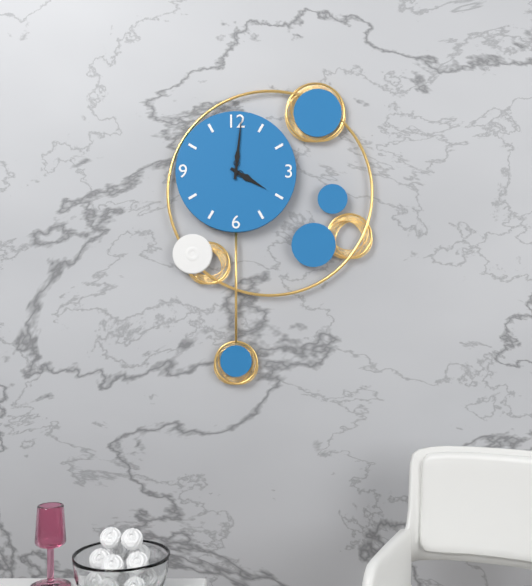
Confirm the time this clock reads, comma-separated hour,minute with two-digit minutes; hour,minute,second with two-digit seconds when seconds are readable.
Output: 4,01
